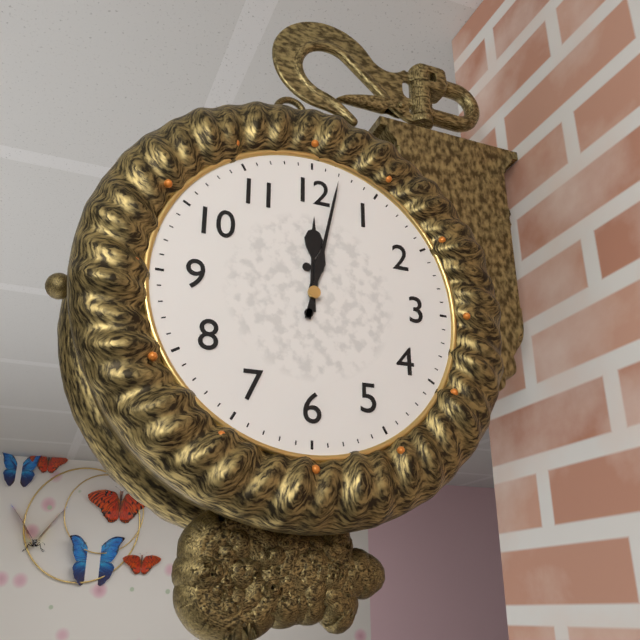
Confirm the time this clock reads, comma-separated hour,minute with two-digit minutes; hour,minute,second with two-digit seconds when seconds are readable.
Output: 12,02
